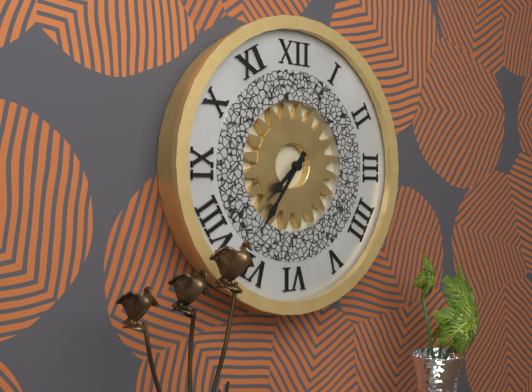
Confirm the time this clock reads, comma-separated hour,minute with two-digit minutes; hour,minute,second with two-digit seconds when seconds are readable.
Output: 7,36
